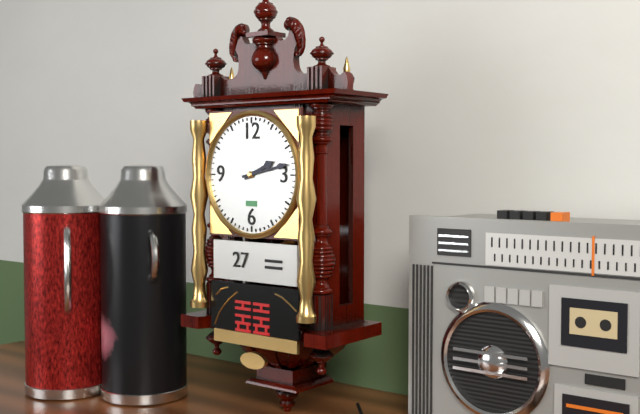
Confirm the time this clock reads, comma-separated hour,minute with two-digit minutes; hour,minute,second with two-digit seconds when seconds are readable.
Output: 2,13
